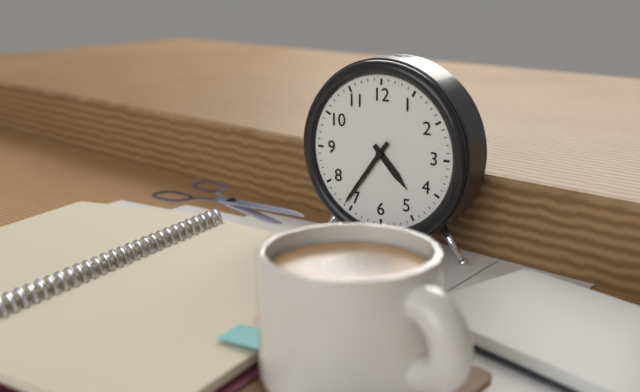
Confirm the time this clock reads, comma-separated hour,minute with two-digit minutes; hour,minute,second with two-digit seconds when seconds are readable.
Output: 4,36
